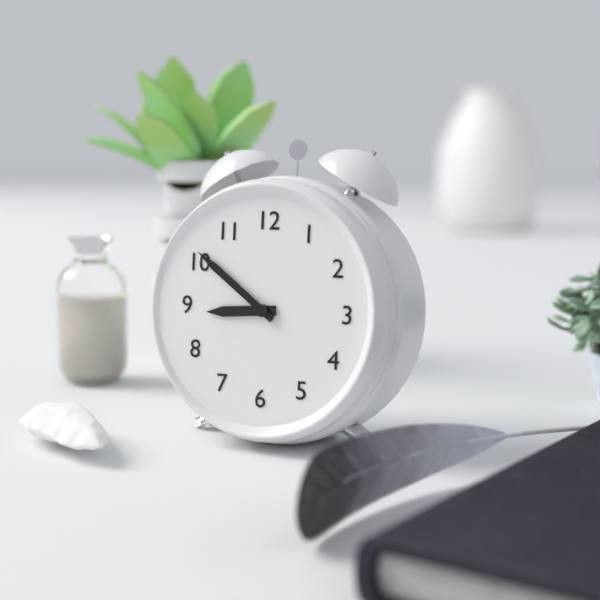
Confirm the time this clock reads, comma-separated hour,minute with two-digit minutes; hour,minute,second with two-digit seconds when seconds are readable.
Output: 8,51
